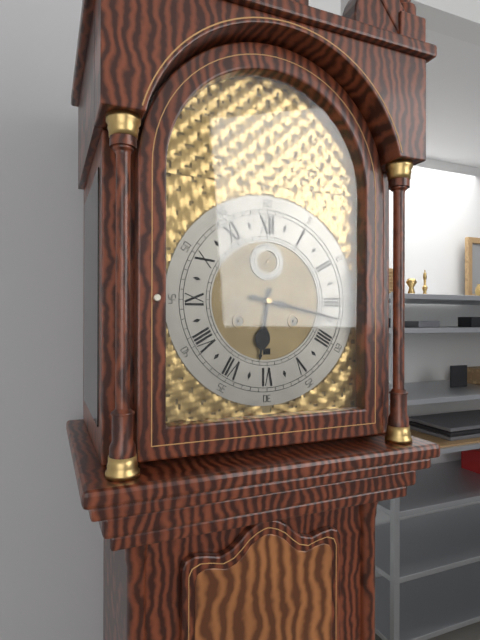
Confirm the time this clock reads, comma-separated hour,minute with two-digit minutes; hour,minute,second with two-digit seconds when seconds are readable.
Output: 6,17
